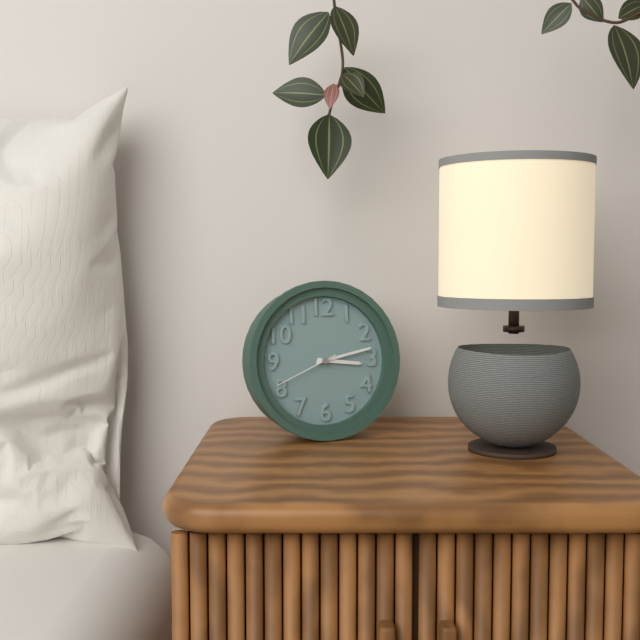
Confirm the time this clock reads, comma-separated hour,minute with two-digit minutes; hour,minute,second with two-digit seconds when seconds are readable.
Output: 3,13,41
